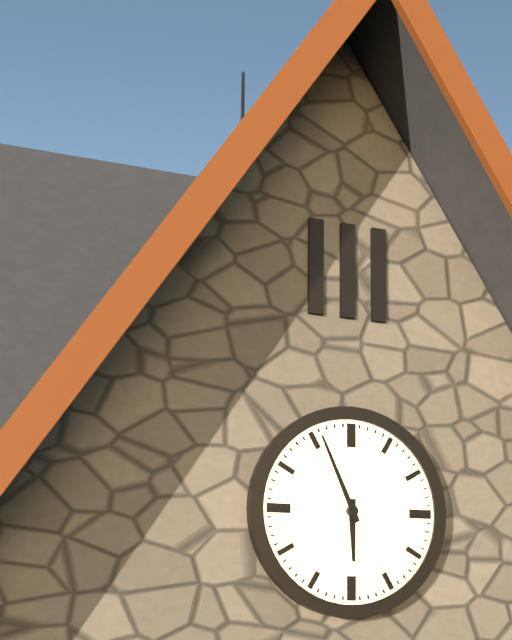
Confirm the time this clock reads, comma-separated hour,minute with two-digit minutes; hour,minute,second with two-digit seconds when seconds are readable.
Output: 5,56
